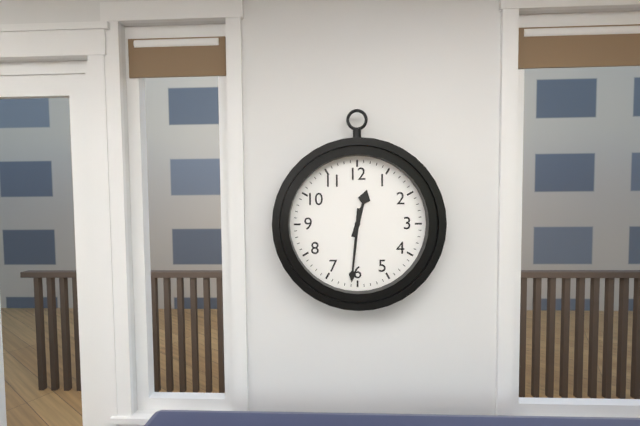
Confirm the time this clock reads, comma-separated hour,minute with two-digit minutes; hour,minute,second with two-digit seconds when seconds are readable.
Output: 12,31
